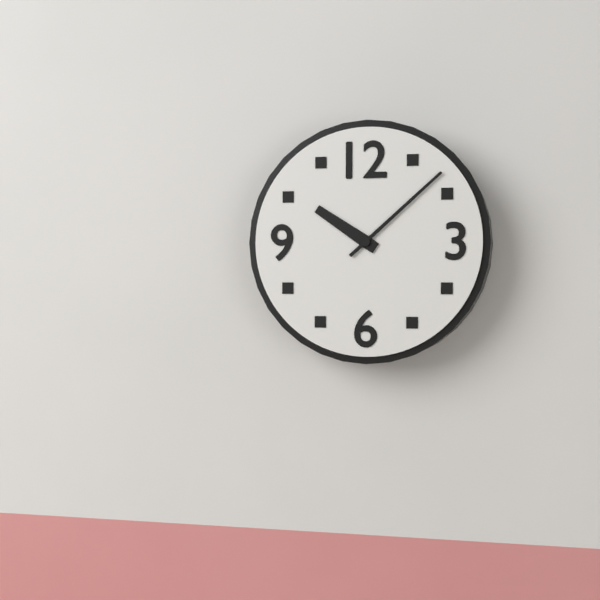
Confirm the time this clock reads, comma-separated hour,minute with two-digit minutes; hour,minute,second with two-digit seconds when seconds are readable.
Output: 10,08
